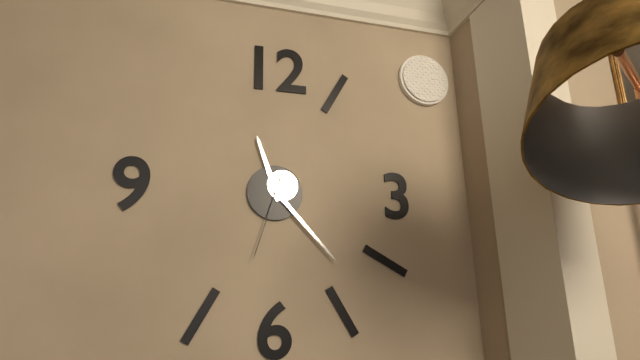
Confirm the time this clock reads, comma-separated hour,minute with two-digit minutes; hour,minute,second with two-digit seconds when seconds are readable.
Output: 11,23,33
